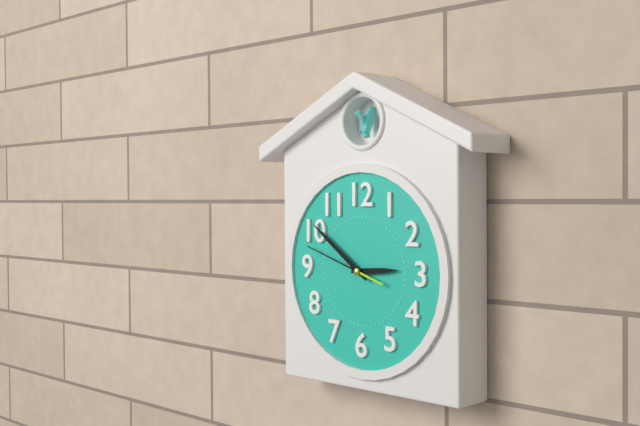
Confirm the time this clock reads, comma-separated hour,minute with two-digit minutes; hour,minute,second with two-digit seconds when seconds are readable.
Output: 2,51,48
